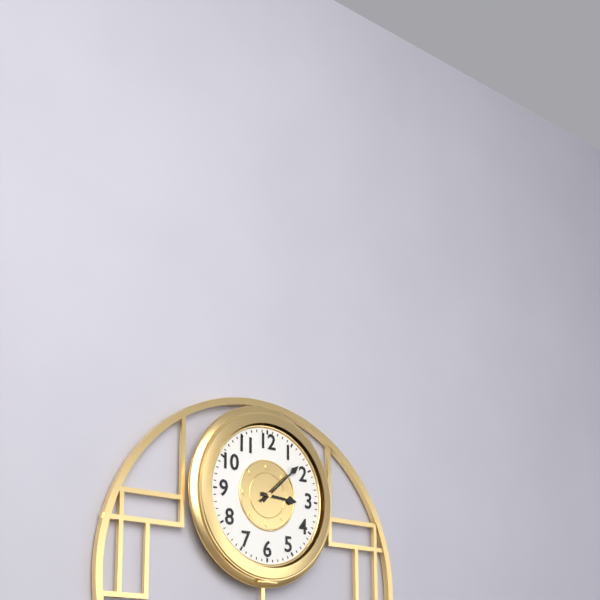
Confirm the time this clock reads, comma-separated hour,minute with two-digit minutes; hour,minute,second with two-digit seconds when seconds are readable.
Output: 3,08
